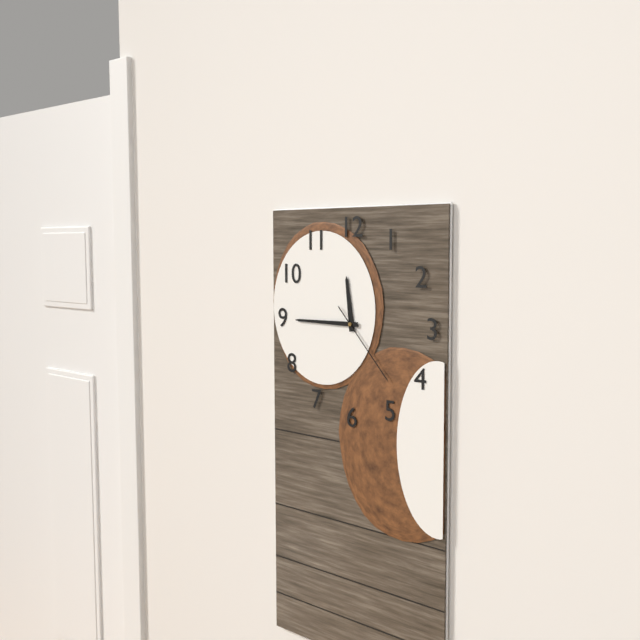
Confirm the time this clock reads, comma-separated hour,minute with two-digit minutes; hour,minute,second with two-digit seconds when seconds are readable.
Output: 11,45,23
